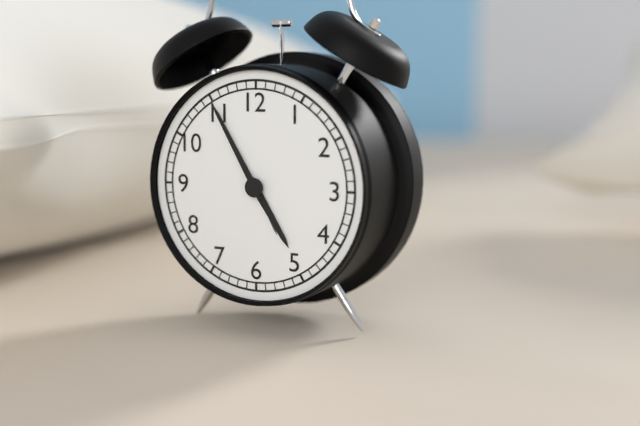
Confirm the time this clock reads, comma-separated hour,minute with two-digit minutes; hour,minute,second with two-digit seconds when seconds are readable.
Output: 4,55
